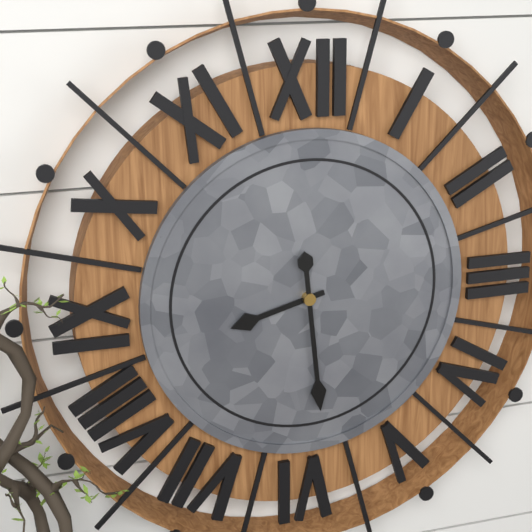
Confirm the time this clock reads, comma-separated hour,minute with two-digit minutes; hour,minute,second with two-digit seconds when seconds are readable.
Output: 8,29
